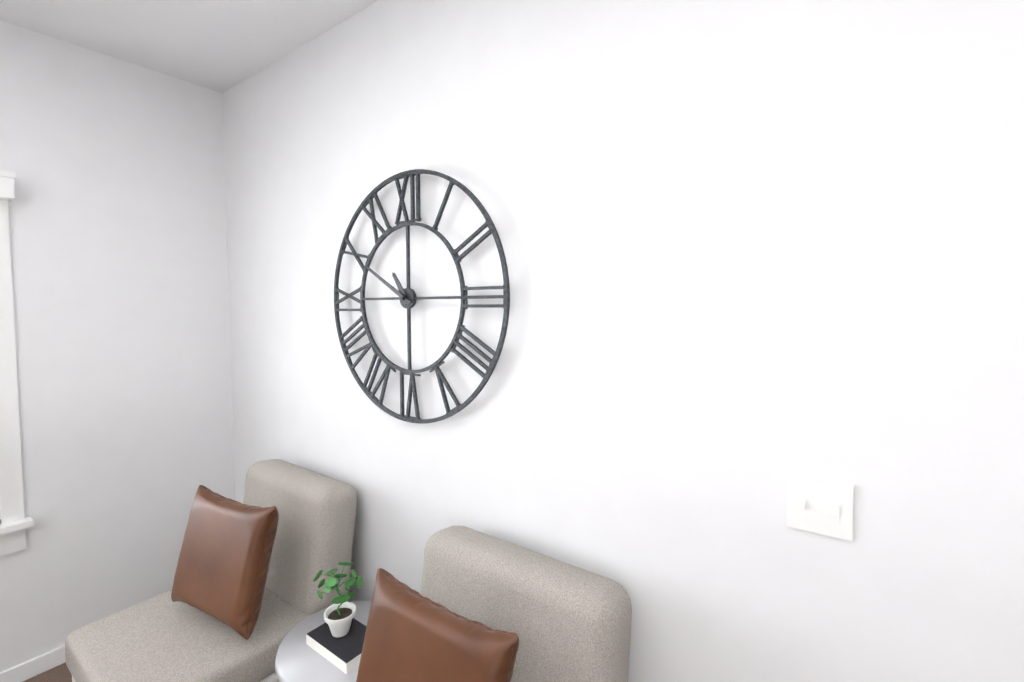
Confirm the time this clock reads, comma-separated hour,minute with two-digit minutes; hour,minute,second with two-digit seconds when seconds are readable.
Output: 10,50
